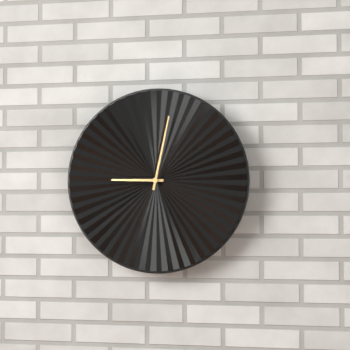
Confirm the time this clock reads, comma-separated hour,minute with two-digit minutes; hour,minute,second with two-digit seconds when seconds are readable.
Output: 9,02
